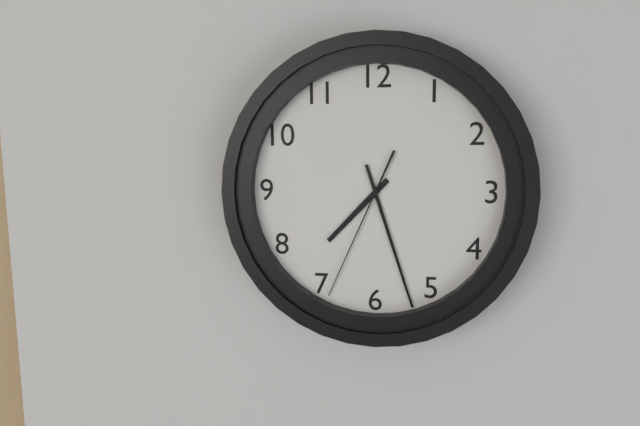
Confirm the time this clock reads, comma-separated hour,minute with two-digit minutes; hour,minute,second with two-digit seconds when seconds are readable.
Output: 7,27,34
